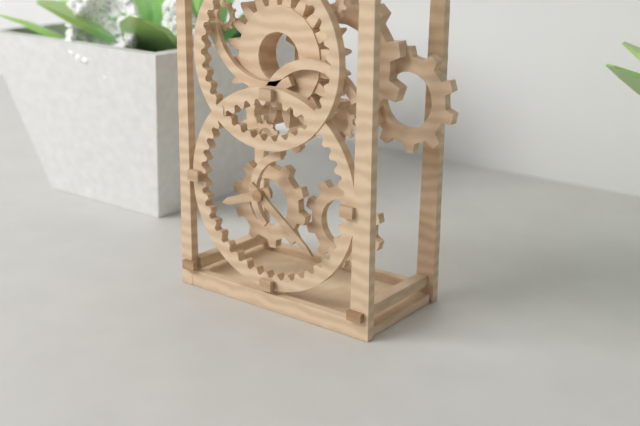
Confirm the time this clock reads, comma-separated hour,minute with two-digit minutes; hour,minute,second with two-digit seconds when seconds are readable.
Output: 8,21
